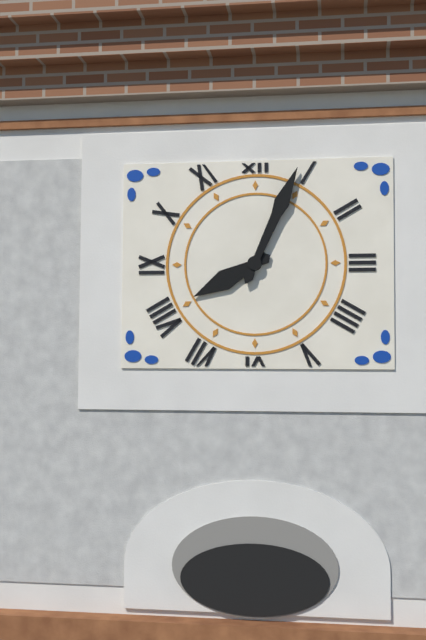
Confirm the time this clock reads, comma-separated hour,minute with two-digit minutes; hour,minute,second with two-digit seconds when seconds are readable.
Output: 8,04
